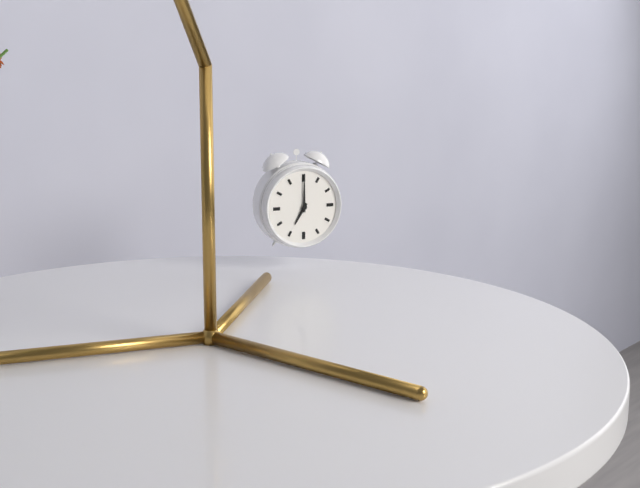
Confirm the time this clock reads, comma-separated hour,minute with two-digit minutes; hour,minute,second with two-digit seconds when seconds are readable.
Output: 7,00
